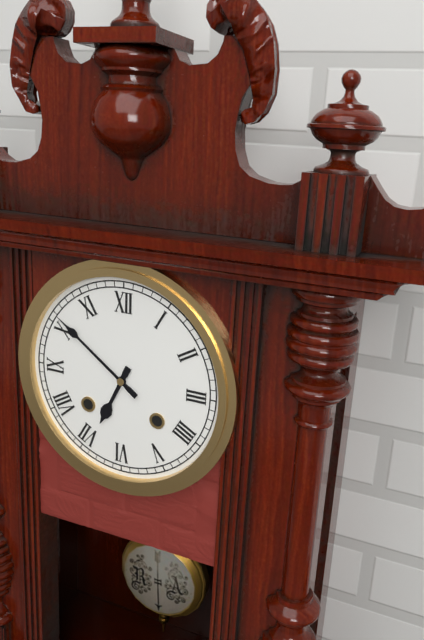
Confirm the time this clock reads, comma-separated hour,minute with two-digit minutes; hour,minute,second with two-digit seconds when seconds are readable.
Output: 6,51
